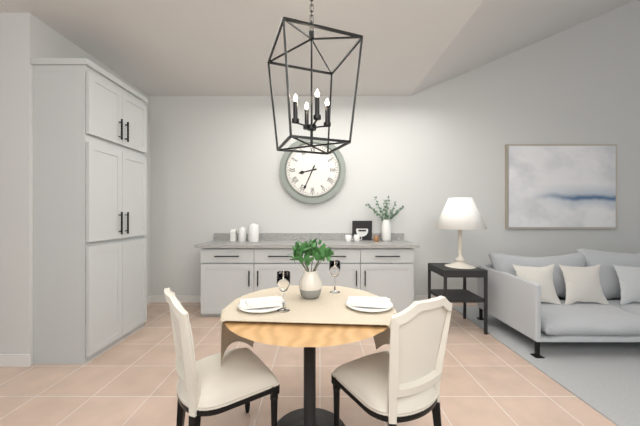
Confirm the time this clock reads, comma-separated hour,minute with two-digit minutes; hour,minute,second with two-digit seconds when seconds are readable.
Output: 8,34
